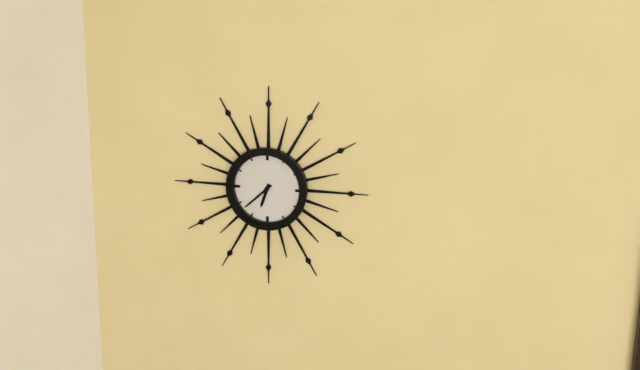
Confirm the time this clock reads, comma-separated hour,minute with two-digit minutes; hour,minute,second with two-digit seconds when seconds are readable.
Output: 6,38
